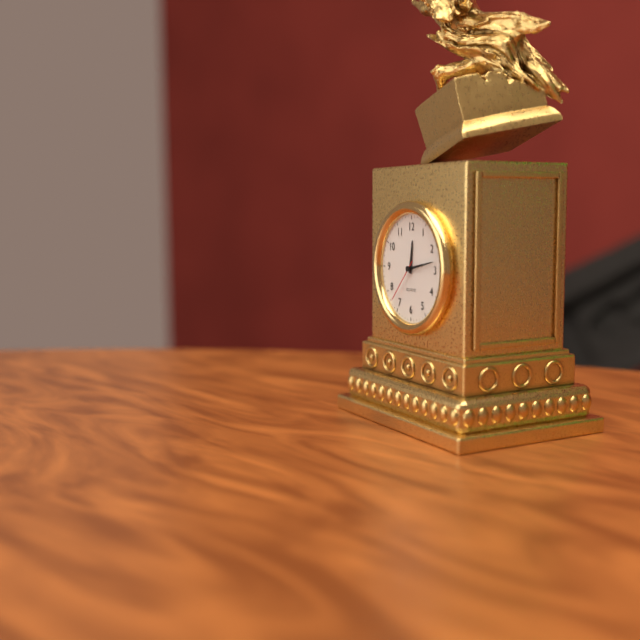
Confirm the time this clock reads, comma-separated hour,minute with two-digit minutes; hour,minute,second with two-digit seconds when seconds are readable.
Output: 12,13
